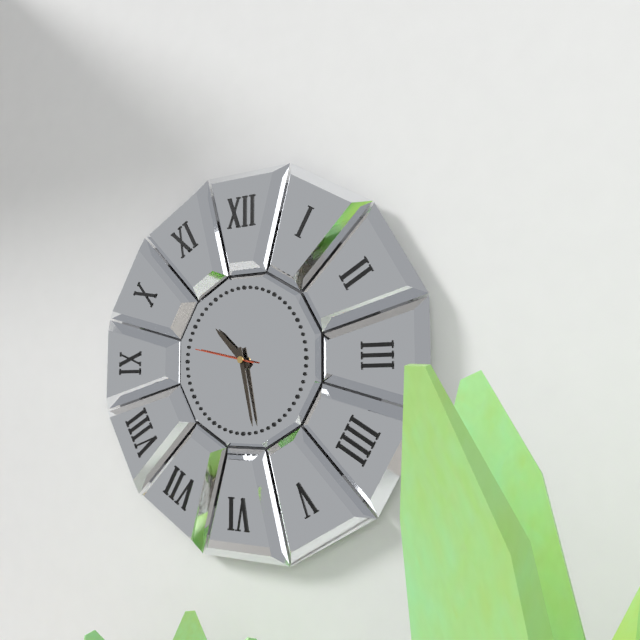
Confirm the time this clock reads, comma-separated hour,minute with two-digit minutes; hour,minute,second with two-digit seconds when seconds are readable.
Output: 10,28,47
